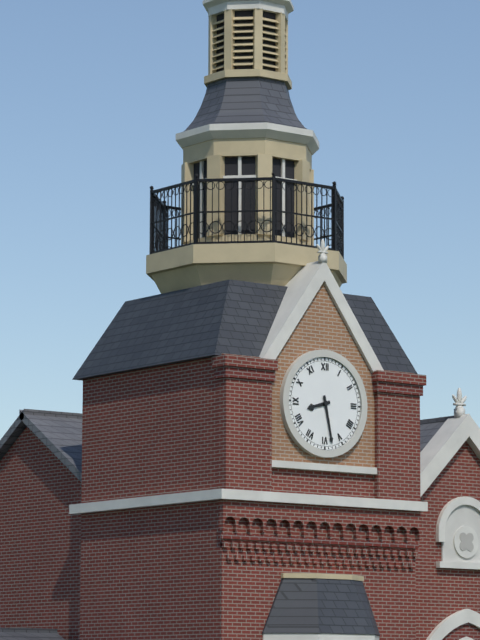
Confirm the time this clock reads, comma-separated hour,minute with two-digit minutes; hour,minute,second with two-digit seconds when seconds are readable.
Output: 8,28
